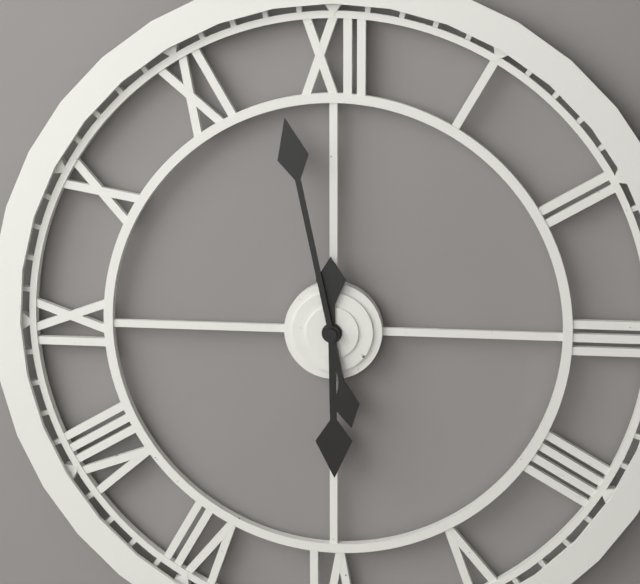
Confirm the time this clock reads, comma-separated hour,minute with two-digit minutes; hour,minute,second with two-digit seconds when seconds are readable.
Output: 5,58
